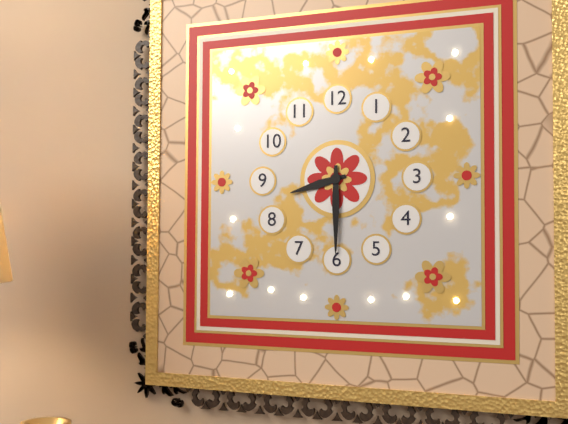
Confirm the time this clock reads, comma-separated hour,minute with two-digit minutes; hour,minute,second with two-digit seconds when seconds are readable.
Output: 8,30
